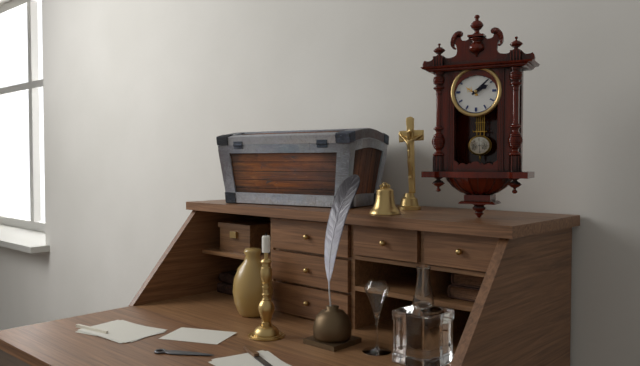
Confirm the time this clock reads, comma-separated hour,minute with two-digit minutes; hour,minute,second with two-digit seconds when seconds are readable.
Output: 2,08
